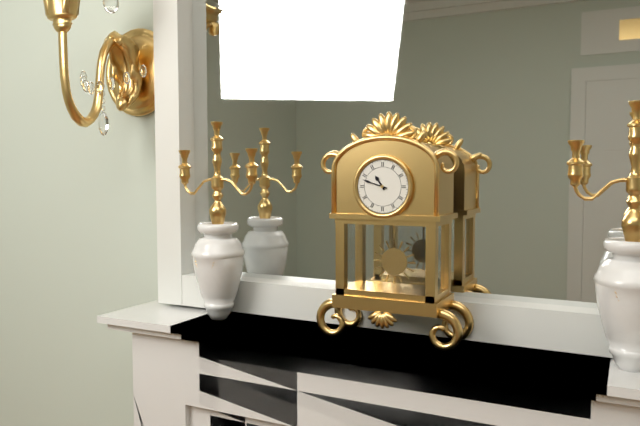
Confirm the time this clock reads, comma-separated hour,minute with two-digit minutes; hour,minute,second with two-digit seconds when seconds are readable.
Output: 10,48
